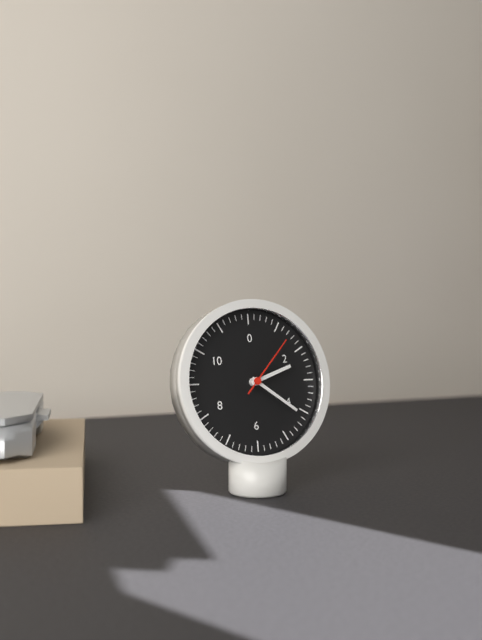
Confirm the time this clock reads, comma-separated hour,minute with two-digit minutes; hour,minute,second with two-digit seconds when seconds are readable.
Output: 2,21,07
